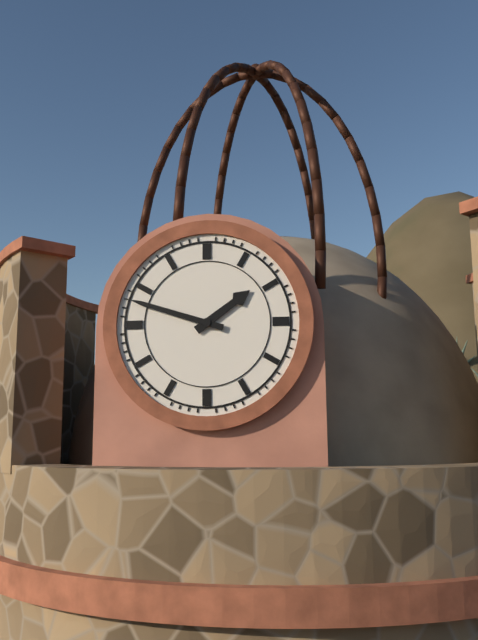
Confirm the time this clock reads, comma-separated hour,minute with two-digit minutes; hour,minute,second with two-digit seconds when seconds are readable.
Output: 1,48
